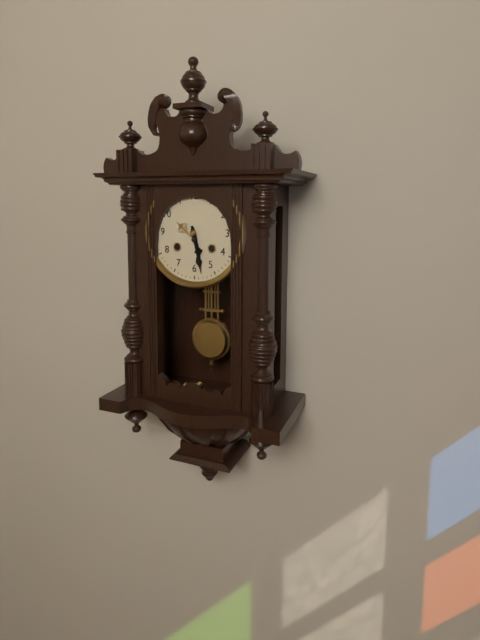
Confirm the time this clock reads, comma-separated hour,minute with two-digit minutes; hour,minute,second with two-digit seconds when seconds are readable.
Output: 5,28
